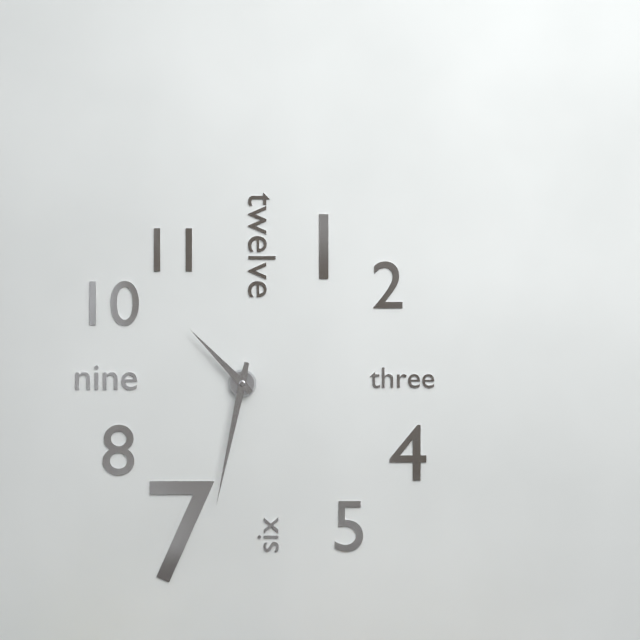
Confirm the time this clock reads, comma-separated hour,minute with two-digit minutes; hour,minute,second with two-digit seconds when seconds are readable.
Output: 10,32
